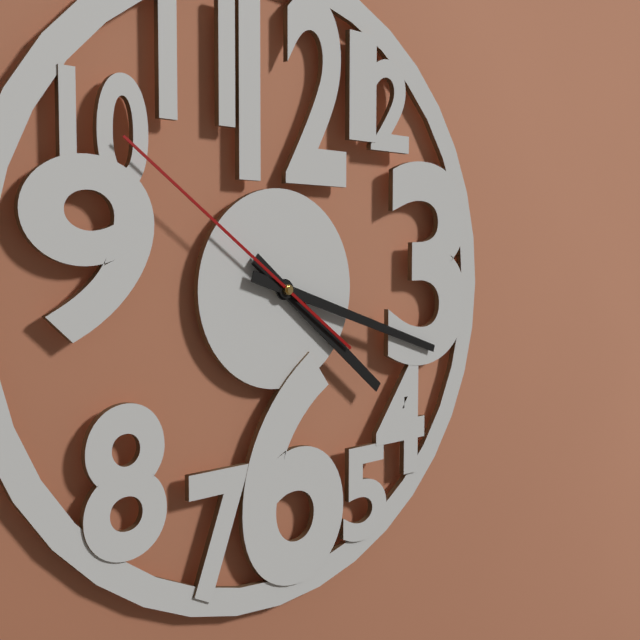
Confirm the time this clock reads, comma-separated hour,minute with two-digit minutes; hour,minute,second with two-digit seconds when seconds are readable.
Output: 4,18,51
